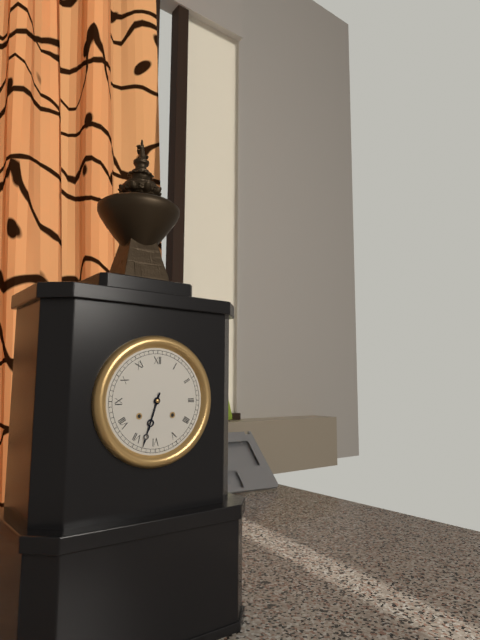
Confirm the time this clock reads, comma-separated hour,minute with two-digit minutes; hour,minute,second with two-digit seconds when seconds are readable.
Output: 6,33
